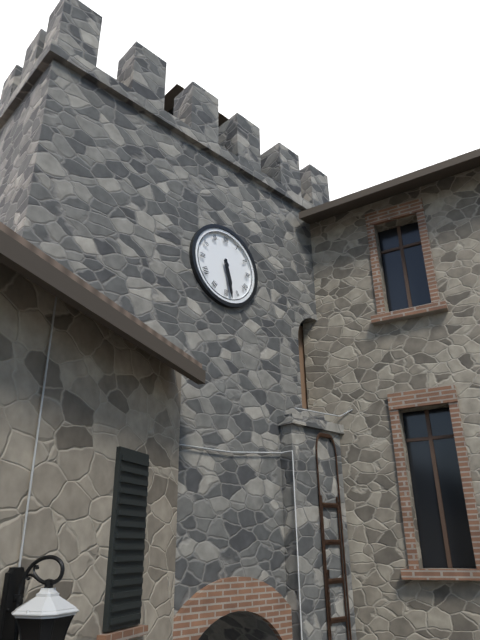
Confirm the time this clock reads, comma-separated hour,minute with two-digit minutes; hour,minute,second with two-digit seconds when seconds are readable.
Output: 5,28
